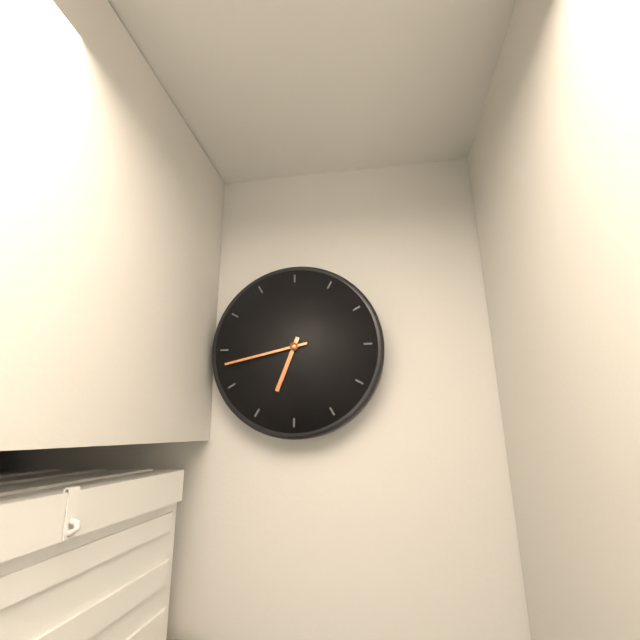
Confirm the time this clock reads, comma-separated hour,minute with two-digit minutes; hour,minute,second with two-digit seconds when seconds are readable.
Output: 6,43
